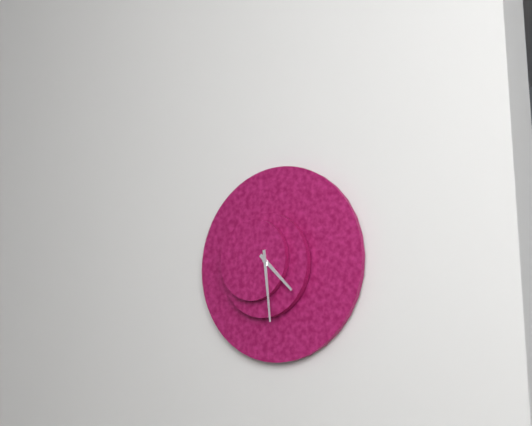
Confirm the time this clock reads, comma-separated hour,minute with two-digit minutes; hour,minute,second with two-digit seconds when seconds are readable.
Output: 4,29
